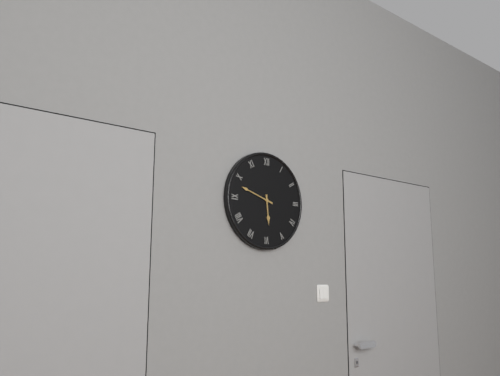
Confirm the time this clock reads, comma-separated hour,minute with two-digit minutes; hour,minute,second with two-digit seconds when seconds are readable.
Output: 5,48
